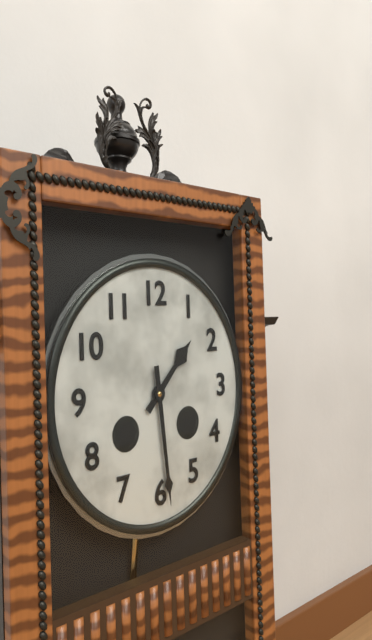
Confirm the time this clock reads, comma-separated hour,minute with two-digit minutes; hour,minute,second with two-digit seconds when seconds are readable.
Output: 1,29
